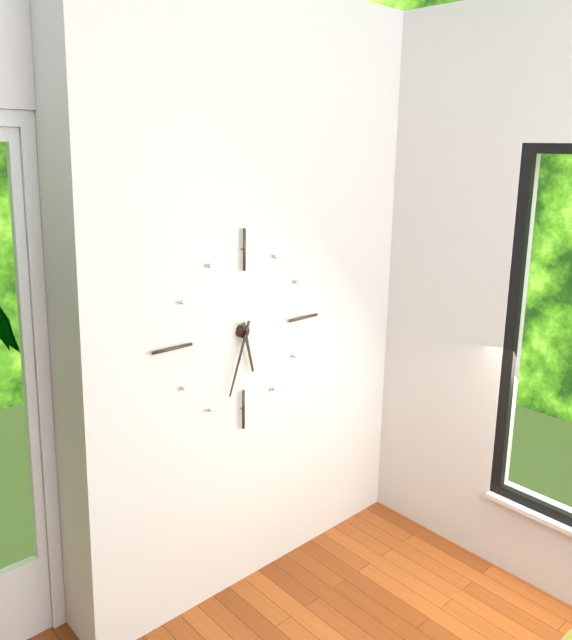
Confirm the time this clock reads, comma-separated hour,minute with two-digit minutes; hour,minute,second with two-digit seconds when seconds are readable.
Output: 5,33
